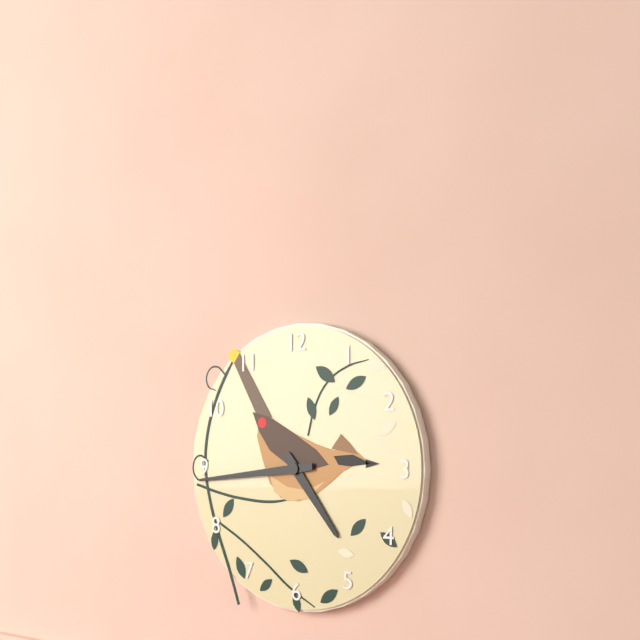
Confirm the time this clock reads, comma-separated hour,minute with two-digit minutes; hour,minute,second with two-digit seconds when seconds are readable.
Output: 4,44
